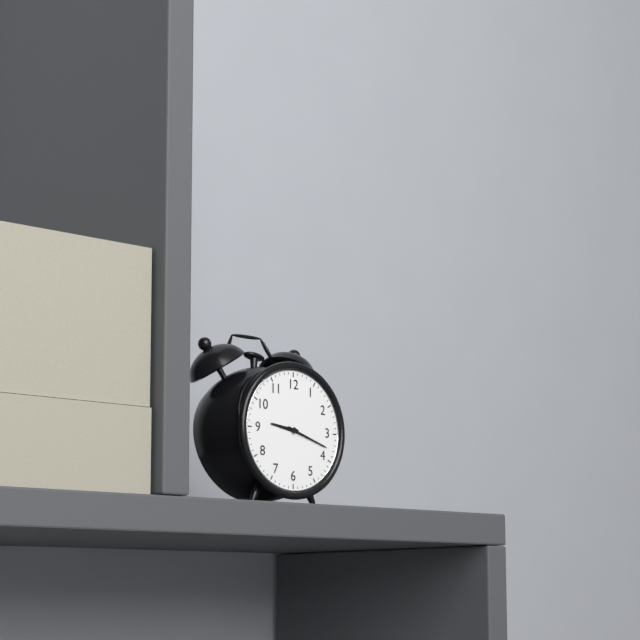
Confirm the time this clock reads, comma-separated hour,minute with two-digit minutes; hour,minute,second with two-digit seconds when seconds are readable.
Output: 9,18
